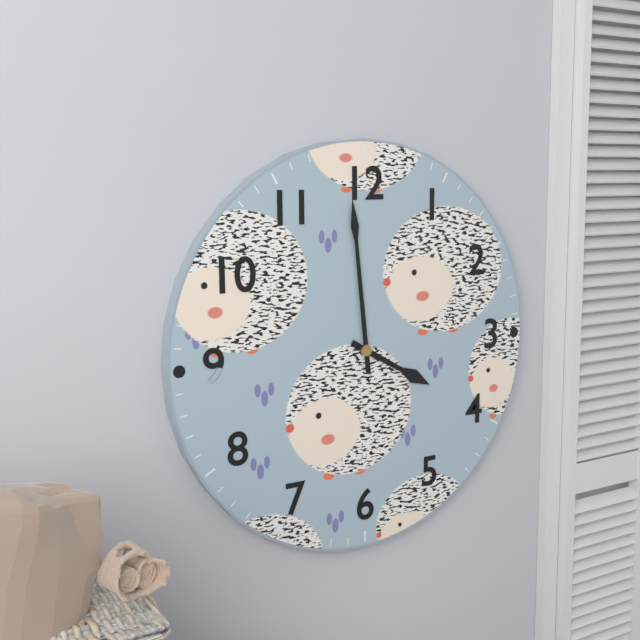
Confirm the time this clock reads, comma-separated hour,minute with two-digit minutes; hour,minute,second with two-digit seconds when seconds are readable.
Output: 3,59
